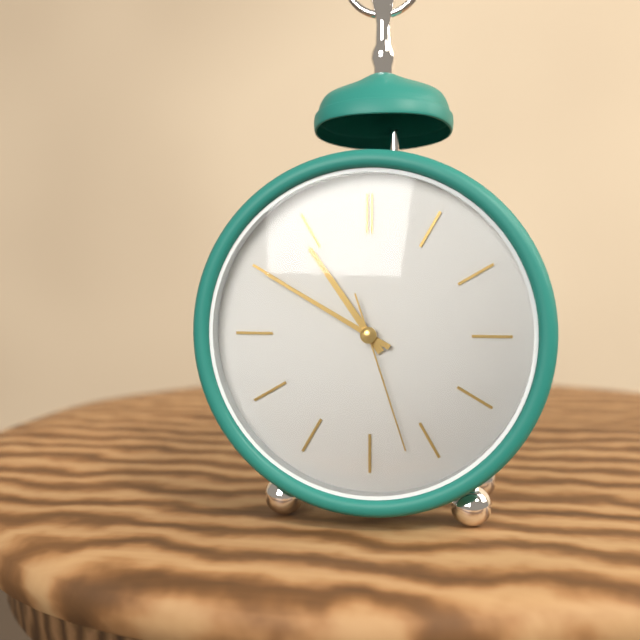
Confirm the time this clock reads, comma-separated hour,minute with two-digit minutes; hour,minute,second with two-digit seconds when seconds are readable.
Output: 10,50,27
